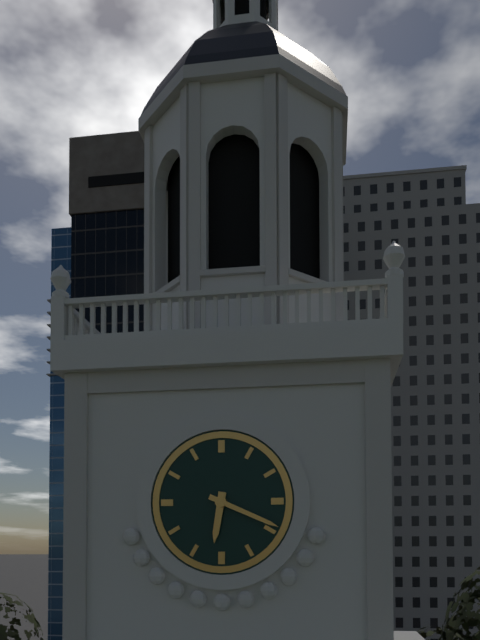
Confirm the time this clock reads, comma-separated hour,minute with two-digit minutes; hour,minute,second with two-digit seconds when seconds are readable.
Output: 6,19
